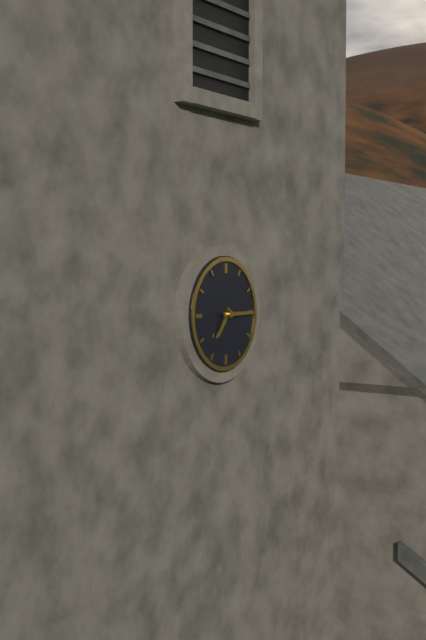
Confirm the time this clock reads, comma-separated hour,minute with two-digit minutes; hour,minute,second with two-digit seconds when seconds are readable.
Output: 7,15
